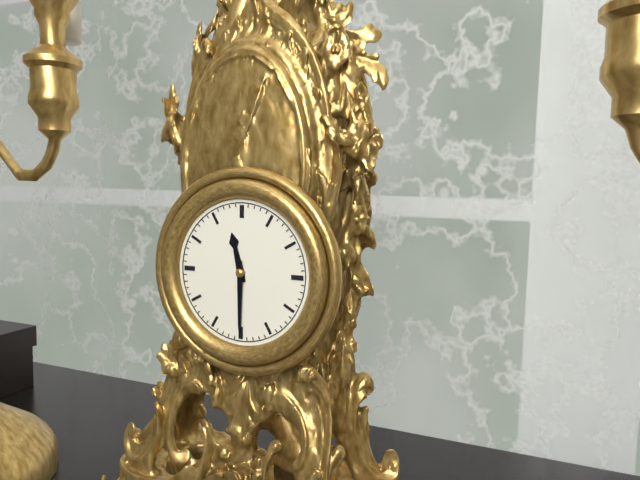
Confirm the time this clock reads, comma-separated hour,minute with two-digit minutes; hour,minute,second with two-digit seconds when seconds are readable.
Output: 11,30
